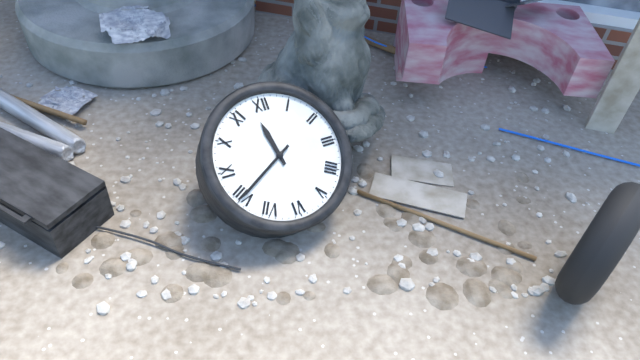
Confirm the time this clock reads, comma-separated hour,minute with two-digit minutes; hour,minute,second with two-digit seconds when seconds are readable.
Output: 11,40
